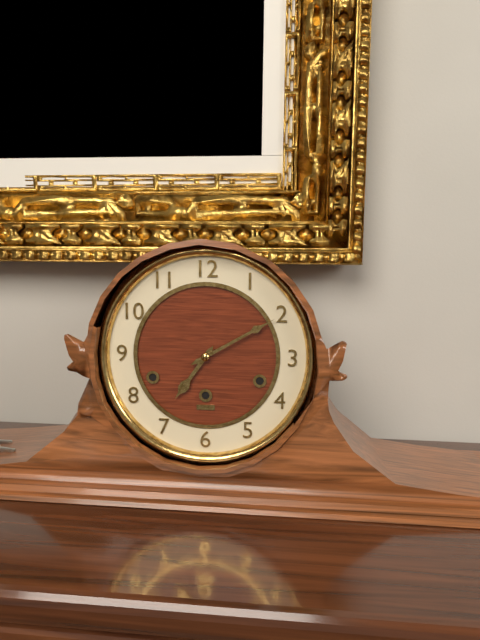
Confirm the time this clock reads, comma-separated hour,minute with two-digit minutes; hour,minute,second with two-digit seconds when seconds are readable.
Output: 7,10
